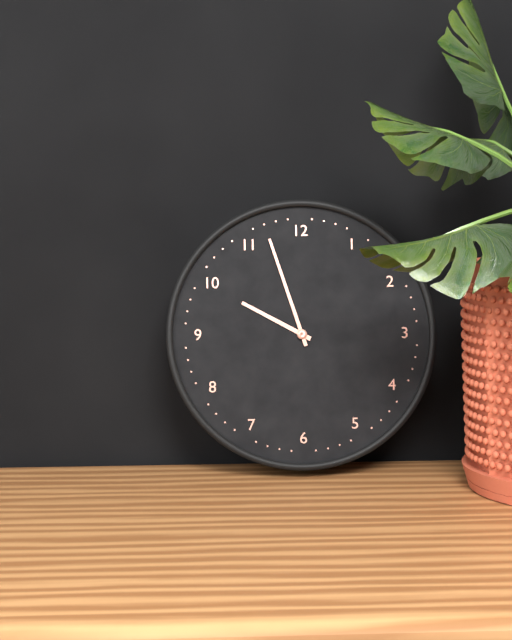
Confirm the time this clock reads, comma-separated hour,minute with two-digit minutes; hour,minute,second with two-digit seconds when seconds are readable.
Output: 9,57
